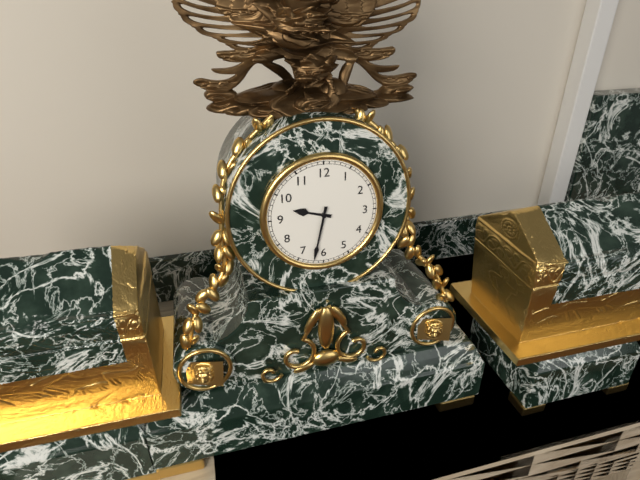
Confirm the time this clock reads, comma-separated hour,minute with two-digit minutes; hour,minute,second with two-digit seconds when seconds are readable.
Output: 9,32
